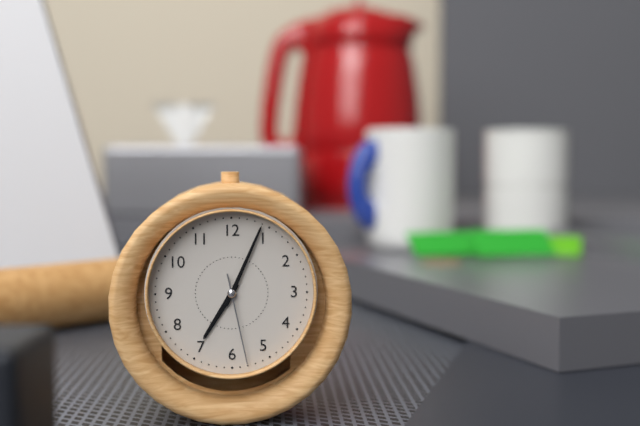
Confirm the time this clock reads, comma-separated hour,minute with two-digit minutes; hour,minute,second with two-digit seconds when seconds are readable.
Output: 7,04,28
